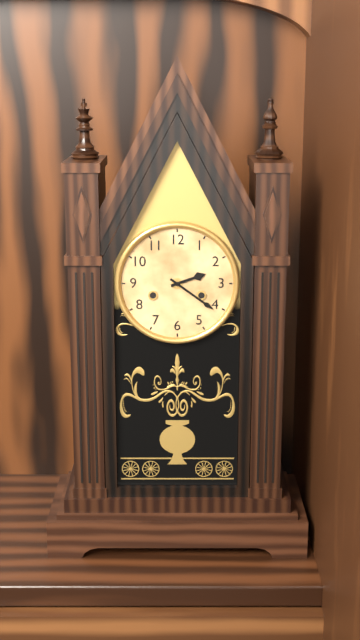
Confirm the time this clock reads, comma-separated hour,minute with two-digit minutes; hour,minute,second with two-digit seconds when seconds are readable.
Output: 2,21
